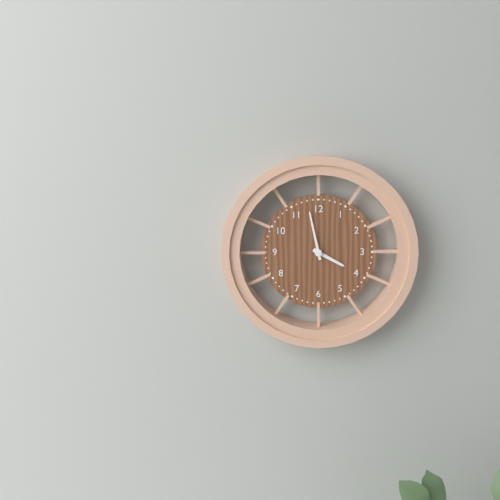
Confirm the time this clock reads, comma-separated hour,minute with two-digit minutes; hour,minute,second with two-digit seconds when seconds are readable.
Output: 3,58
